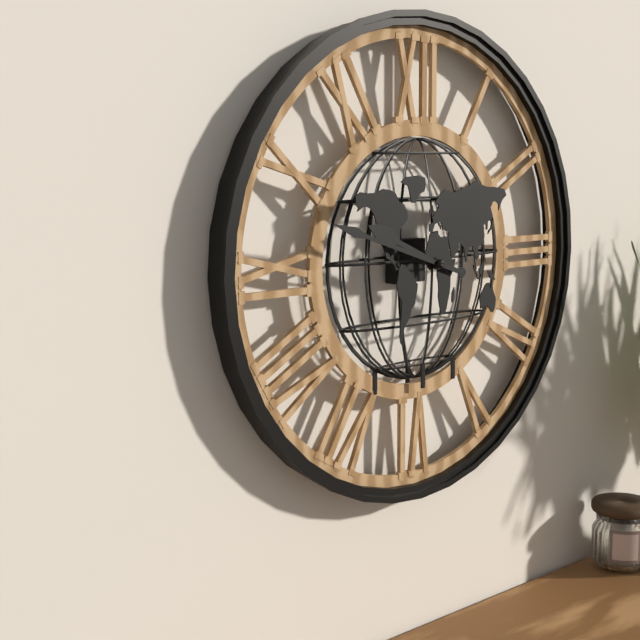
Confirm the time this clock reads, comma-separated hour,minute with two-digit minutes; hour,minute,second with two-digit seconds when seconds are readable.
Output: 9,48
